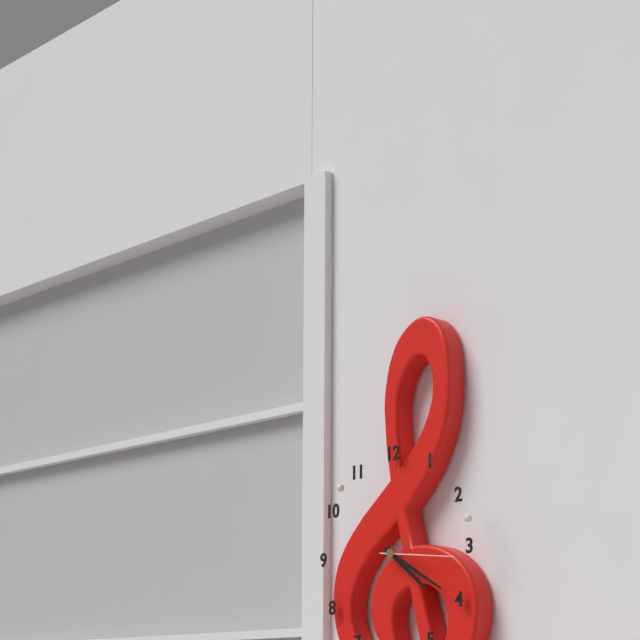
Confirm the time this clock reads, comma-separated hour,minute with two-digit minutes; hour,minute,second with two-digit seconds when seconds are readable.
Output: 4,20,16
